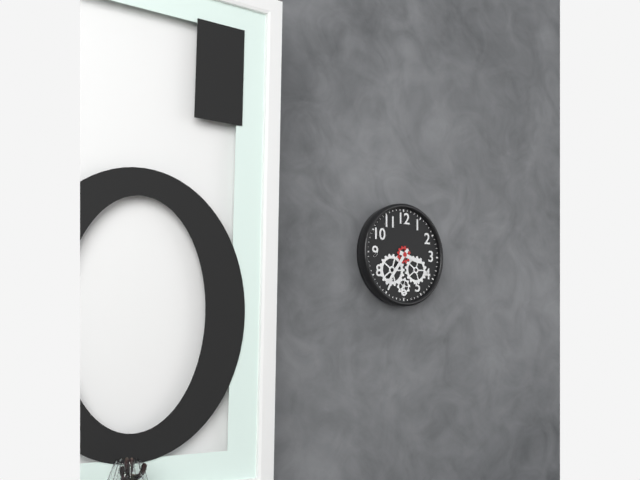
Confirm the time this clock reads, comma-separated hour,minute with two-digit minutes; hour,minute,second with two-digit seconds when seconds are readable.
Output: 3,36
